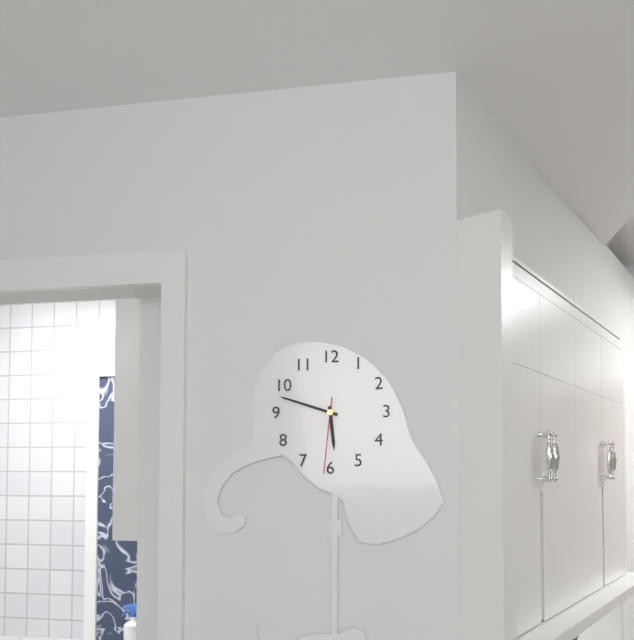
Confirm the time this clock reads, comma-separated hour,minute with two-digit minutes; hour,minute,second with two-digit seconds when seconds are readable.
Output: 5,48,31
